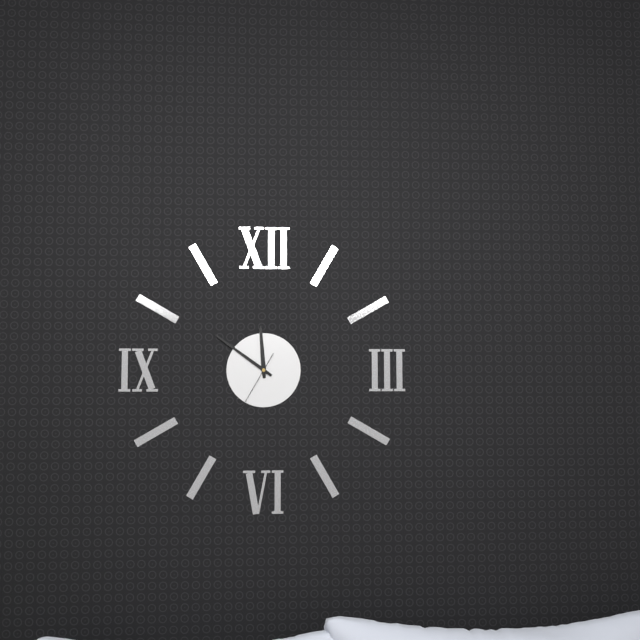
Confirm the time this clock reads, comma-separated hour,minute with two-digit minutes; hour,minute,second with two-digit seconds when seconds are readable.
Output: 11,51,35
